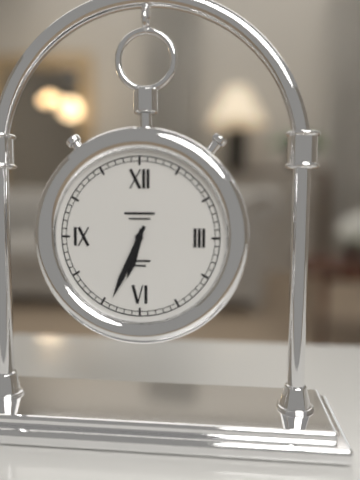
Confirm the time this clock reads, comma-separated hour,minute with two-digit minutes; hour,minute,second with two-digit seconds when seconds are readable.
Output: 6,34
